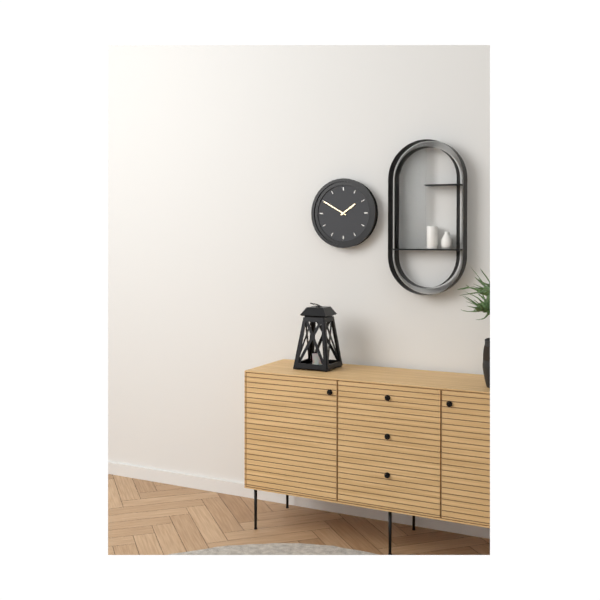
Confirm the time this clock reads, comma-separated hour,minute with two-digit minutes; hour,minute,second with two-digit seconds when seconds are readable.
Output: 1,50
